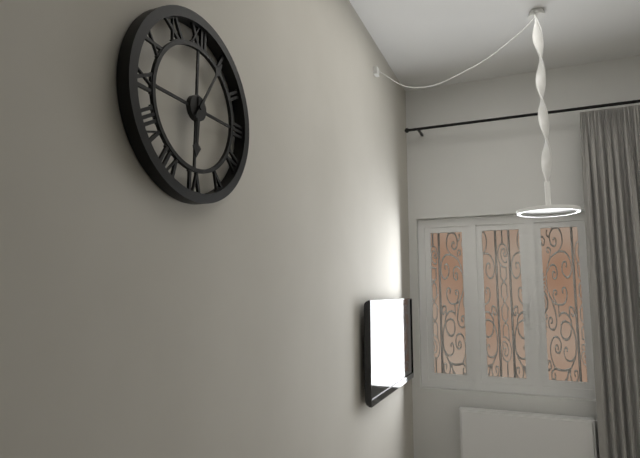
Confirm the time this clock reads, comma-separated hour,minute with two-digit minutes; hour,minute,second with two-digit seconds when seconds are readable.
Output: 6,05
